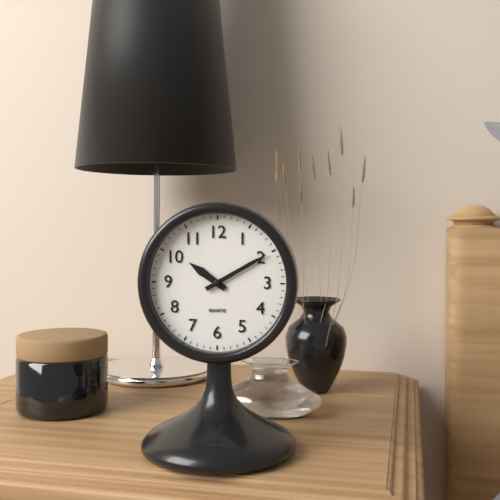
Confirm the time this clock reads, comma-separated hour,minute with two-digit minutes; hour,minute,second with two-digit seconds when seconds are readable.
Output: 10,10
